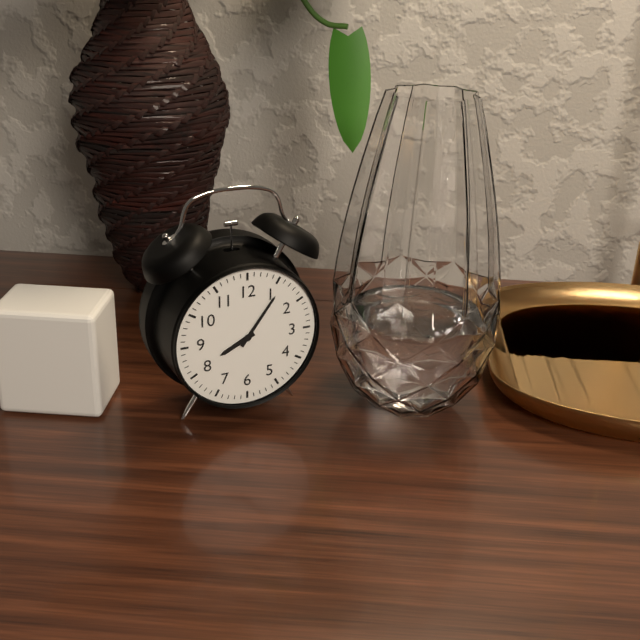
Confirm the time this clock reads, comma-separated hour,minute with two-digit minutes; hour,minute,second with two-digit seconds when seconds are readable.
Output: 8,06
